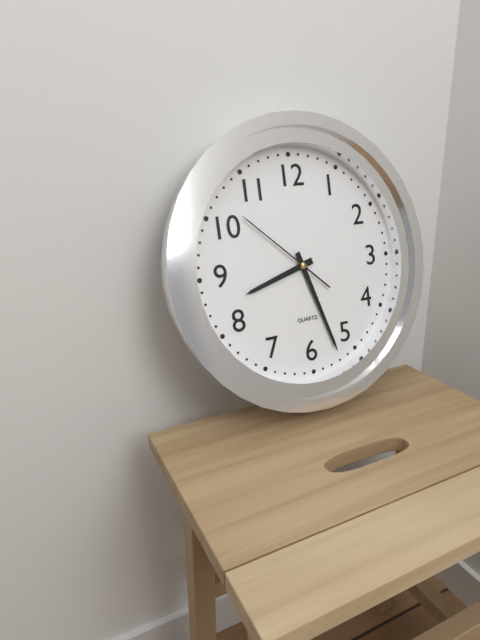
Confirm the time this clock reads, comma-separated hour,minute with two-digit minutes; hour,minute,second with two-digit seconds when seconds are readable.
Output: 8,27,52
